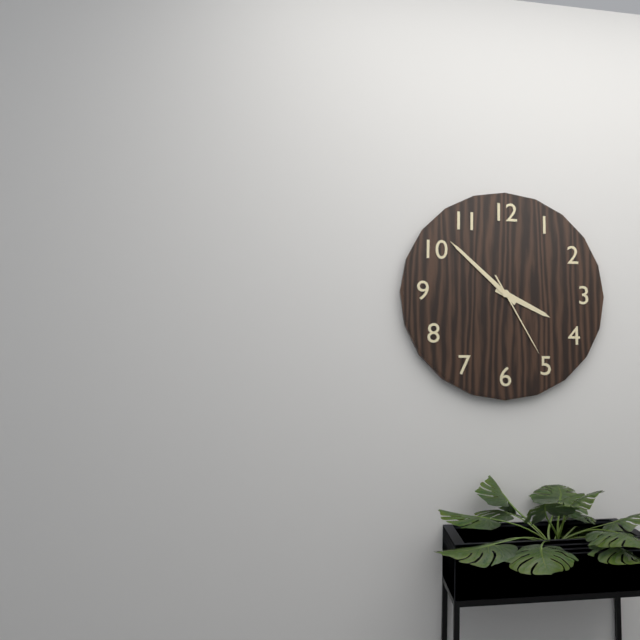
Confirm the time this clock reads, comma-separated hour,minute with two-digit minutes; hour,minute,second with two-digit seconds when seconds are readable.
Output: 3,52,25
